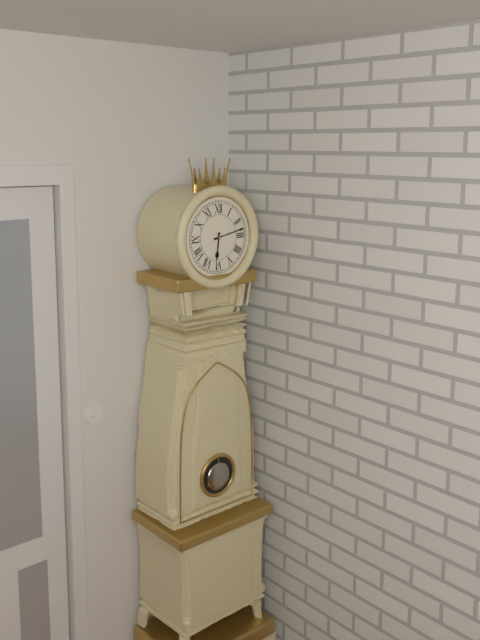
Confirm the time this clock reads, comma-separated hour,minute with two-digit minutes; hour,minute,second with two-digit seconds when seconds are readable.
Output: 6,13
